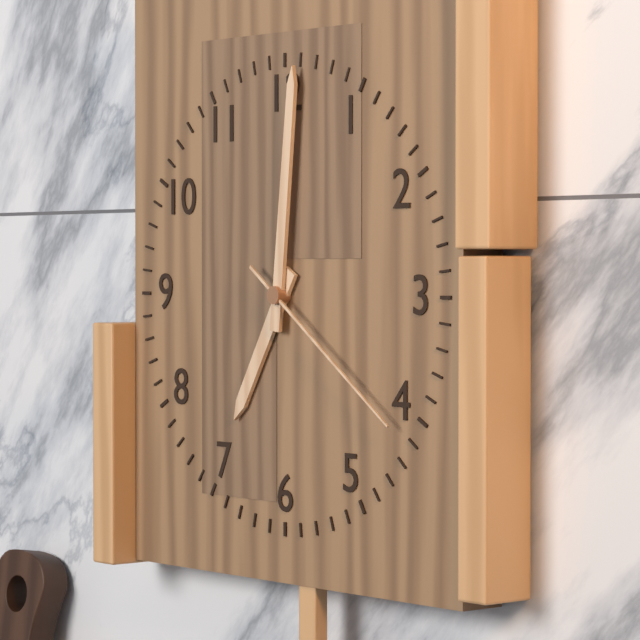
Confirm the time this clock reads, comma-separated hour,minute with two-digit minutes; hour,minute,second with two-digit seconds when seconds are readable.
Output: 7,01,21
